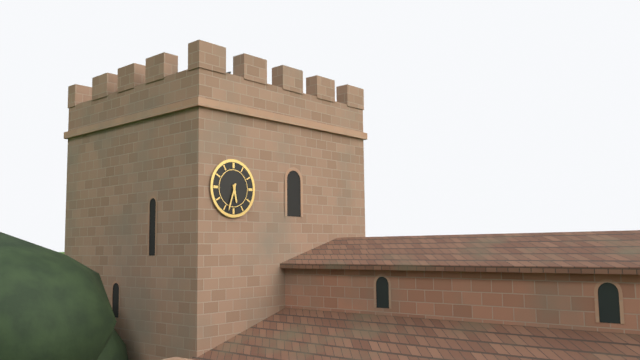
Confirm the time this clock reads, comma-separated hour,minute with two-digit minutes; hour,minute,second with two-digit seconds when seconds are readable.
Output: 5,33
